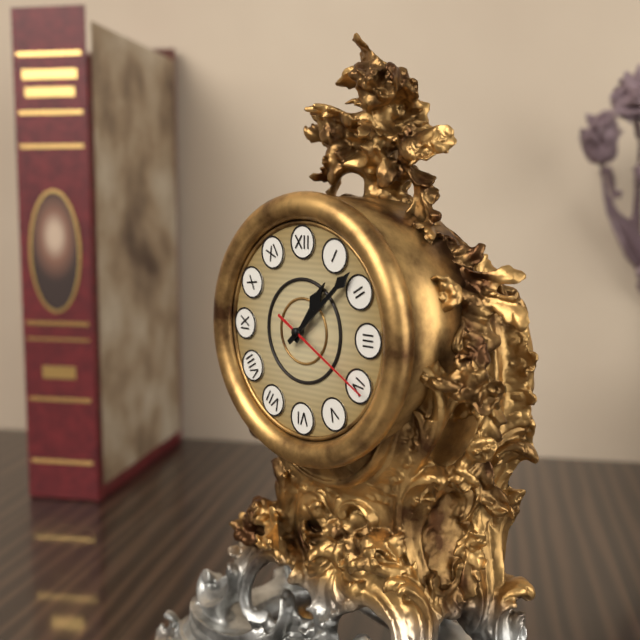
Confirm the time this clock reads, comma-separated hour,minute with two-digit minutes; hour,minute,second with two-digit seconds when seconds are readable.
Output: 1,08,20
